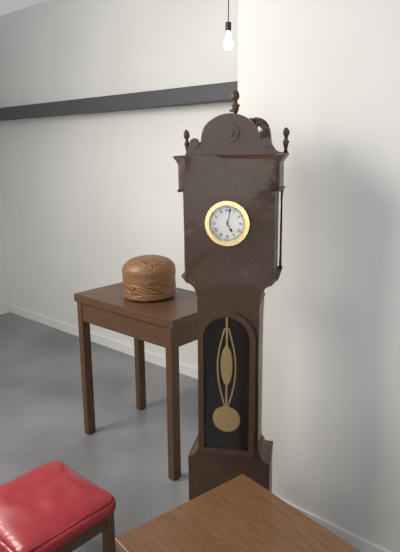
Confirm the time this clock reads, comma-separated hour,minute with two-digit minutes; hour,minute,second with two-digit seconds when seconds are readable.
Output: 5,02
